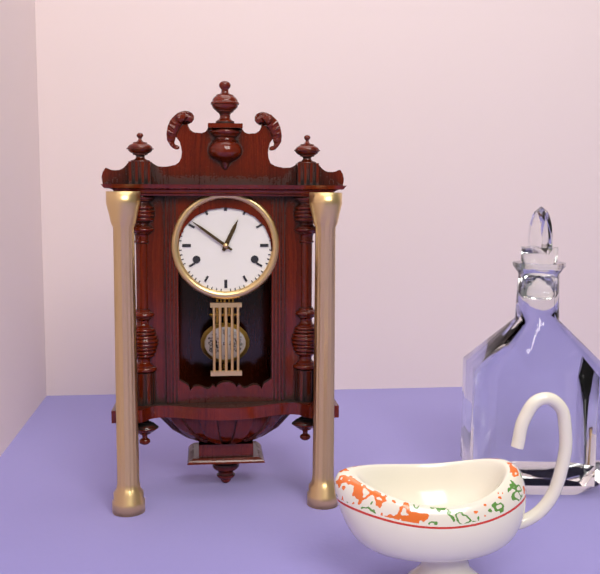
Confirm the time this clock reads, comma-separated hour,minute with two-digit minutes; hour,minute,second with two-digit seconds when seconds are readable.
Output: 12,51
